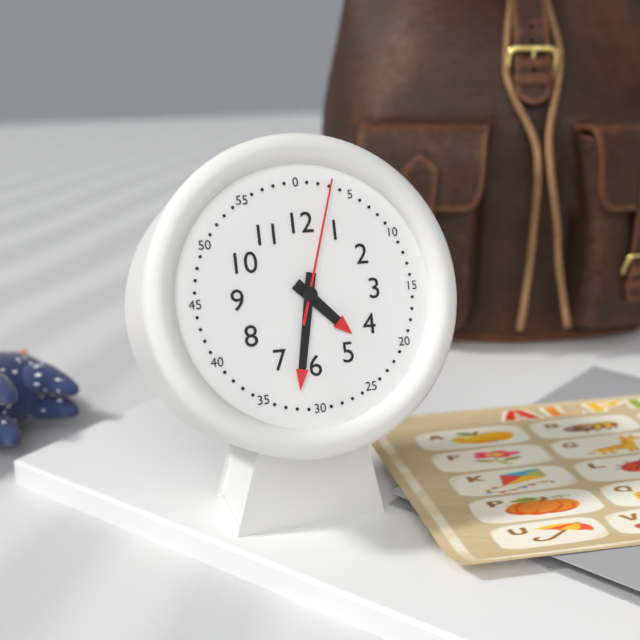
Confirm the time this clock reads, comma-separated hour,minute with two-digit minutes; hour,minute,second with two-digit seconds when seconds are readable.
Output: 4,32,03
